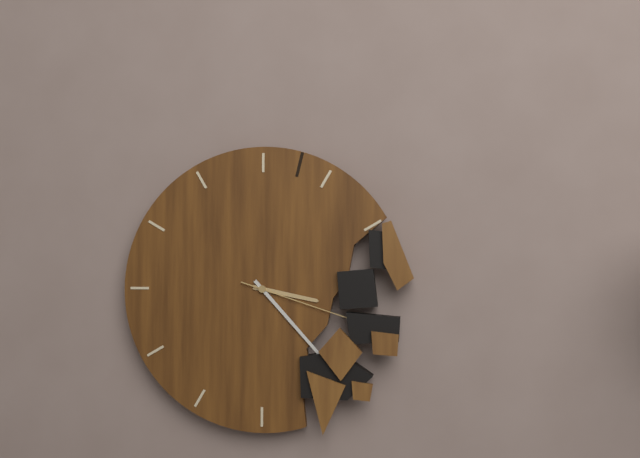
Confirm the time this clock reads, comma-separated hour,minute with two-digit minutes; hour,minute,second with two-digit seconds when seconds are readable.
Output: 3,23,18
